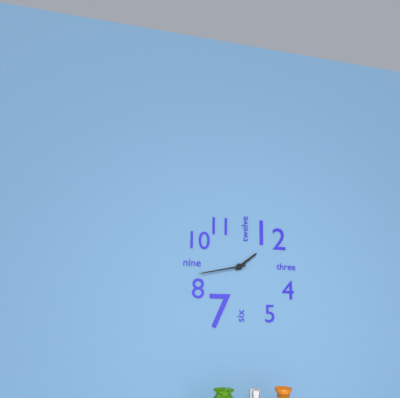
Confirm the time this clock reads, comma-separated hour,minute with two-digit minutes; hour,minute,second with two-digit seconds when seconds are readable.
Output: 1,43
